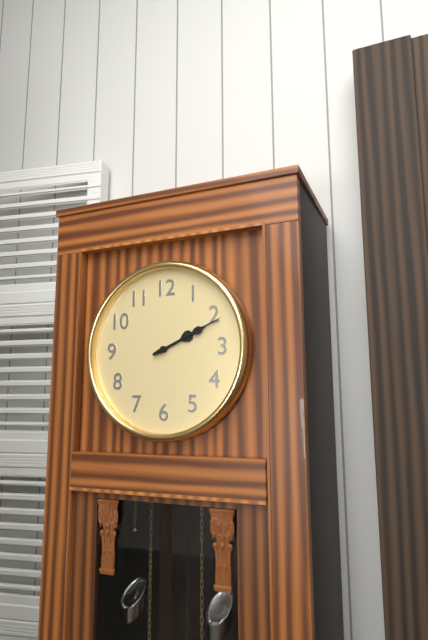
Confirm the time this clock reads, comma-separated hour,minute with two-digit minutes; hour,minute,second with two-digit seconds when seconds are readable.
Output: 2,11
